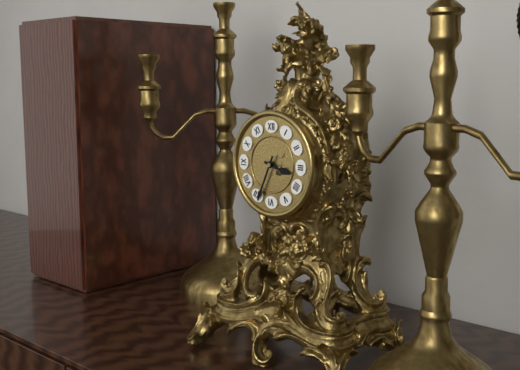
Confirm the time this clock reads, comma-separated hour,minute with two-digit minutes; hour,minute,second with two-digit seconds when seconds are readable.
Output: 3,34
